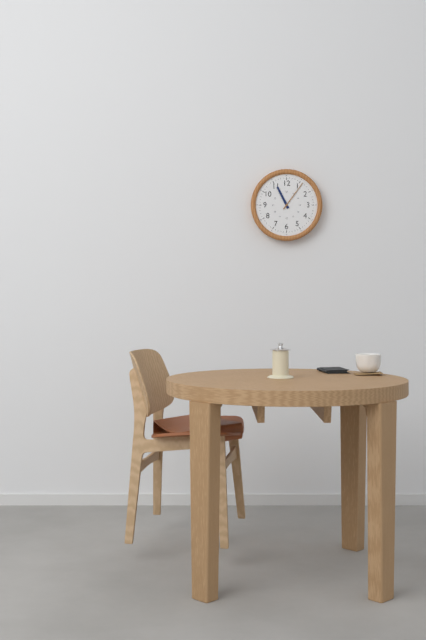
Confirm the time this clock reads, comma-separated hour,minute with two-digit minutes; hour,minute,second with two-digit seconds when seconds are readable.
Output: 11,06
